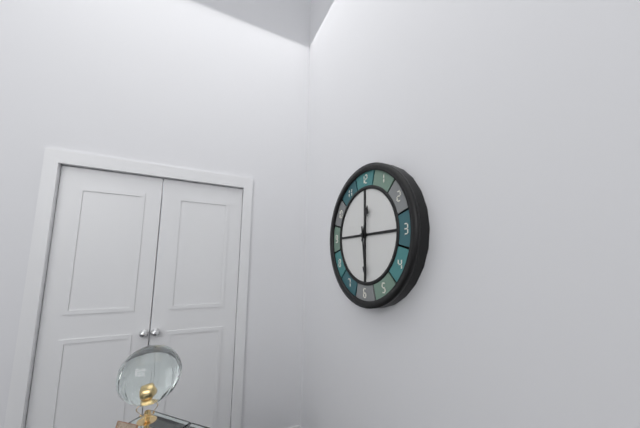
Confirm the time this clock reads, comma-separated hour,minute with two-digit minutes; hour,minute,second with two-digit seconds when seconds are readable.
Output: 12,29
